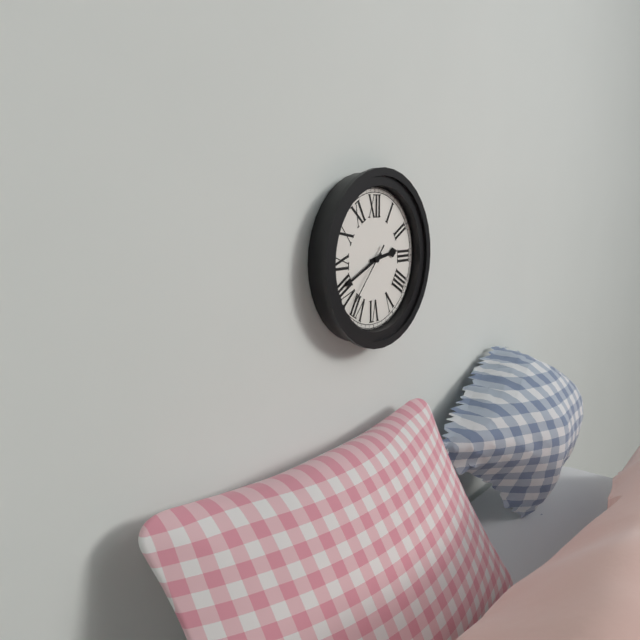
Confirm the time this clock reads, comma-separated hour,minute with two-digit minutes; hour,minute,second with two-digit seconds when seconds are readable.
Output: 2,41,37
